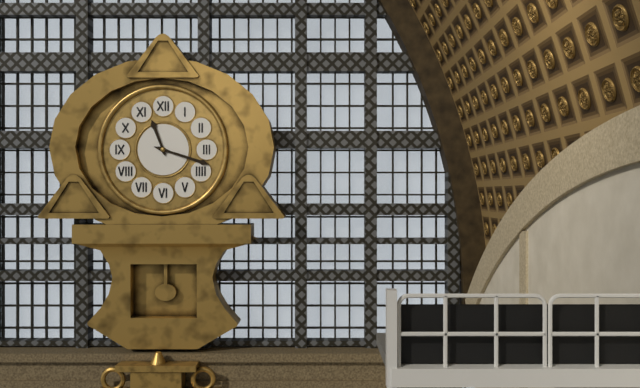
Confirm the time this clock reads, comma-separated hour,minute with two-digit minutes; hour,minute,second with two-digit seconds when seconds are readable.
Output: 11,18
